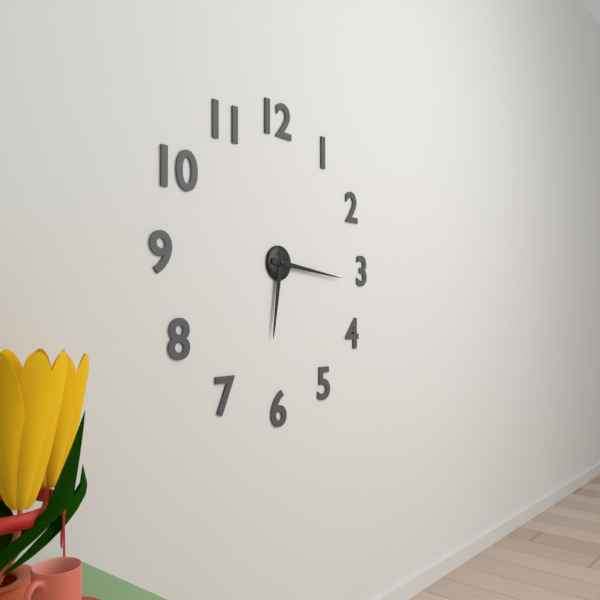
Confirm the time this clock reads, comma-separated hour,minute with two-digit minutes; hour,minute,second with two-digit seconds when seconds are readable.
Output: 6,16
